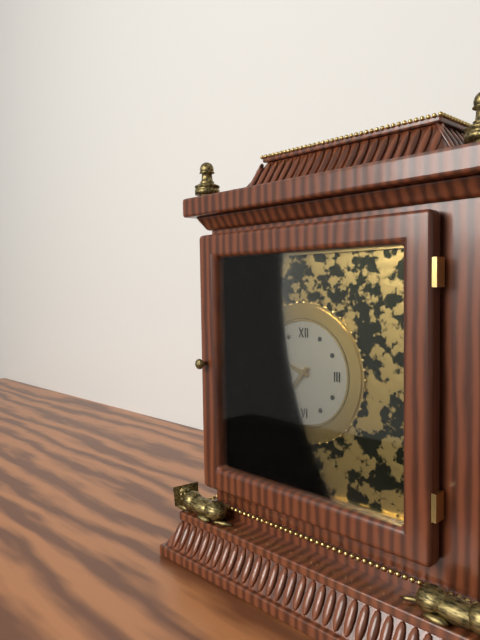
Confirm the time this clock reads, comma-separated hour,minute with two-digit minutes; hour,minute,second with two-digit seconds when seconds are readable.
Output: 9,37
